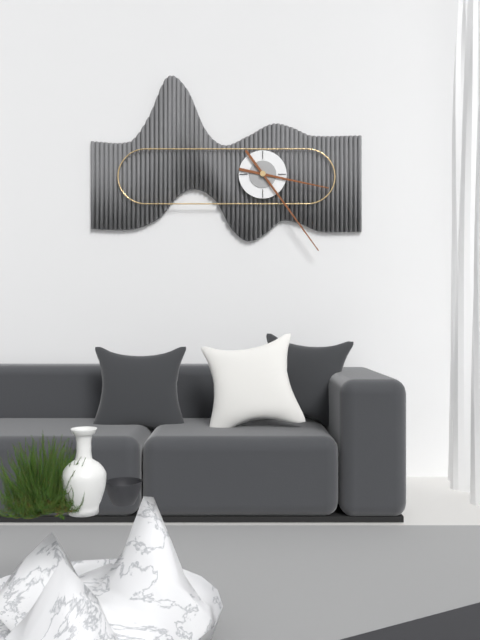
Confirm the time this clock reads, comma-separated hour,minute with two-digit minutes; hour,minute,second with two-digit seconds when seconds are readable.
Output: 3,24
